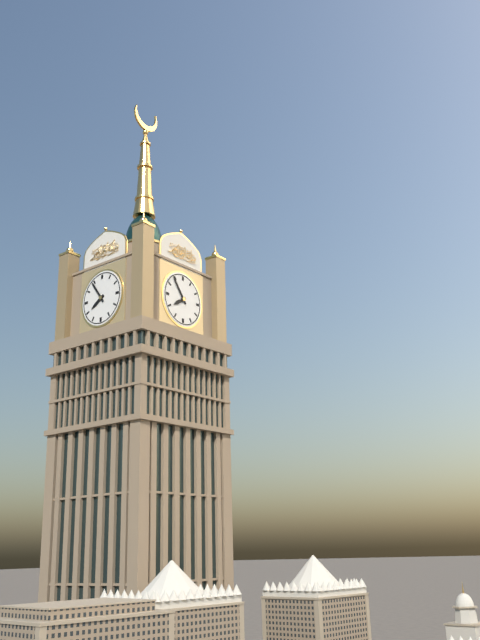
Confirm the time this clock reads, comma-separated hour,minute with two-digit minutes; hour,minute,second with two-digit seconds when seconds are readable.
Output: 7,54
